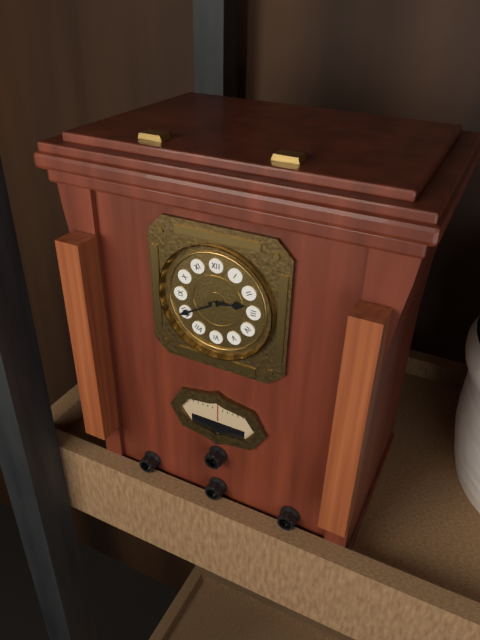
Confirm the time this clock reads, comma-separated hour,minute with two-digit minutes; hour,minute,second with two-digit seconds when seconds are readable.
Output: 2,40
